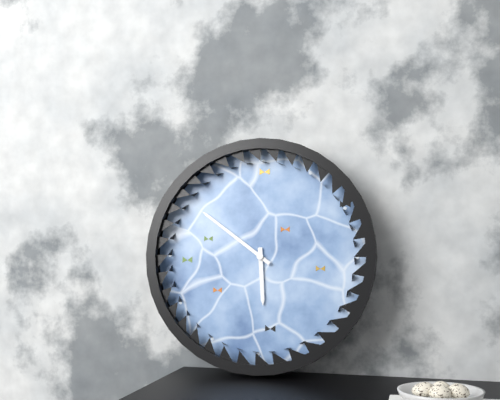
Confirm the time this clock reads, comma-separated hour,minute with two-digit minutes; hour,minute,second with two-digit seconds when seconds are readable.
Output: 5,51
